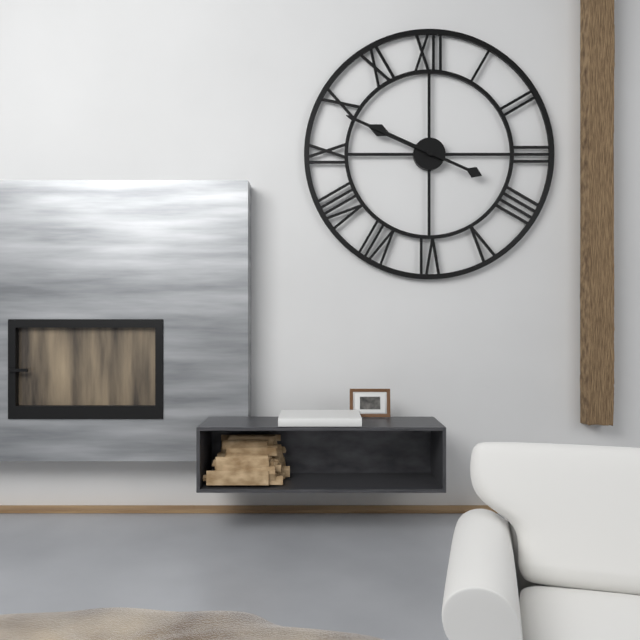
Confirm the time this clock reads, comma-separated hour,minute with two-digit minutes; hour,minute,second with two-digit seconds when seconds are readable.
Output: 9,49
